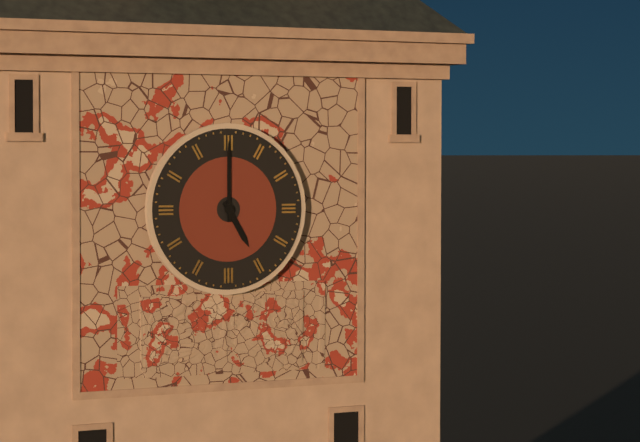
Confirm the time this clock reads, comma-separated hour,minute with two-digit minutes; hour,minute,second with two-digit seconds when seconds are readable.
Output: 5,00
